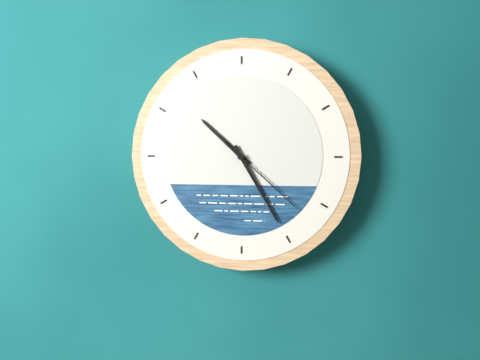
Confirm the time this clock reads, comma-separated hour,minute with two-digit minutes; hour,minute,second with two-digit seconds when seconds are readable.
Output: 10,25,22
